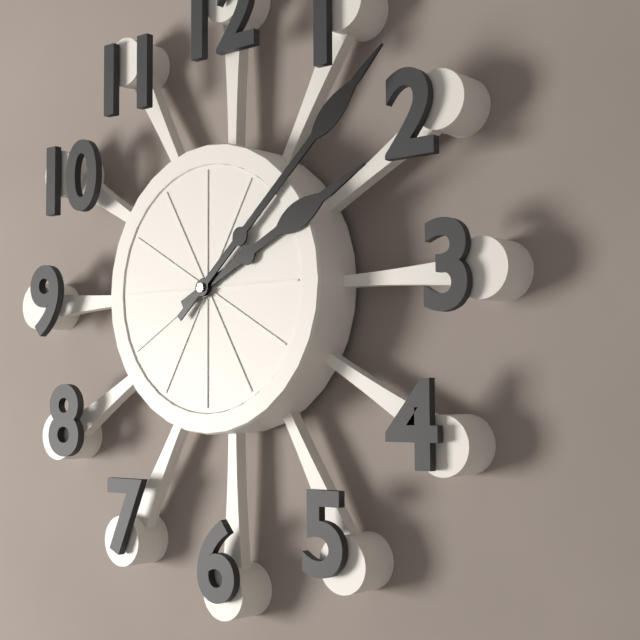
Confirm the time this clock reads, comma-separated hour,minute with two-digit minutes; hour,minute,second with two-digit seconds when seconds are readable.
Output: 2,08
